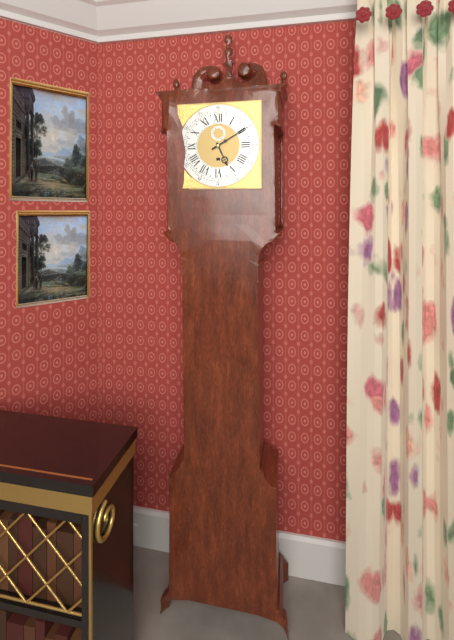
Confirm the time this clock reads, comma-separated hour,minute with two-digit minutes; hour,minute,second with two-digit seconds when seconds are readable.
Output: 5,10
